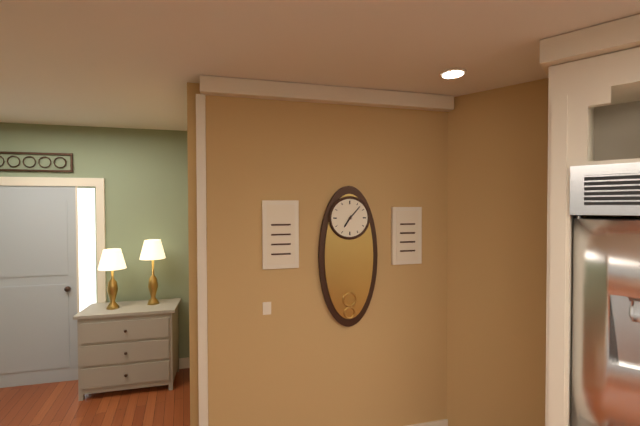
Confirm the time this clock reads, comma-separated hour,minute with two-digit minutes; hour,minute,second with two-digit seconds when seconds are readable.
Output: 7,07
